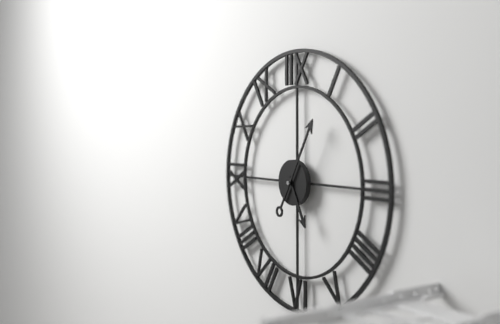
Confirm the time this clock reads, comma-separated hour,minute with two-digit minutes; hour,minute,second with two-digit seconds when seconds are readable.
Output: 5,05
